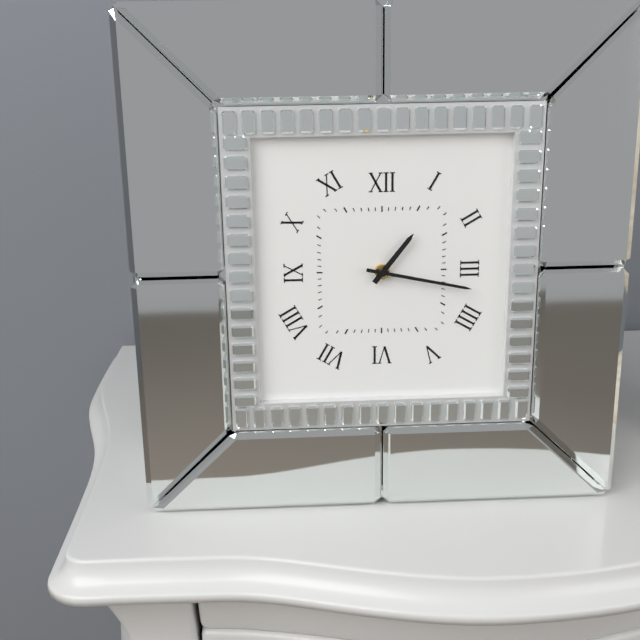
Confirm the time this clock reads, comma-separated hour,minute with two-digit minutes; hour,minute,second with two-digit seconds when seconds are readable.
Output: 1,17
